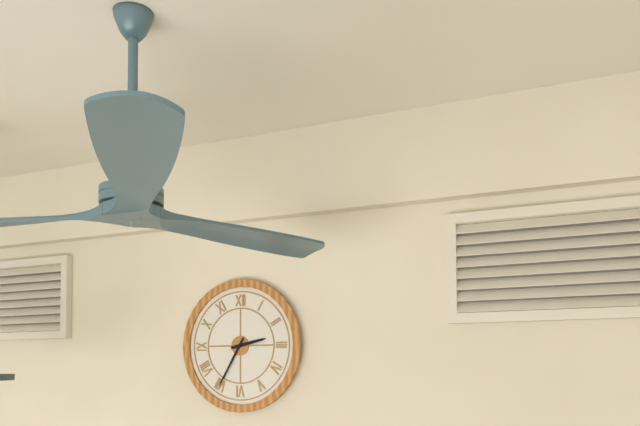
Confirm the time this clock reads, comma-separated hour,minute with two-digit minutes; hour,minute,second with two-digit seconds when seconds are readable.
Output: 2,35
